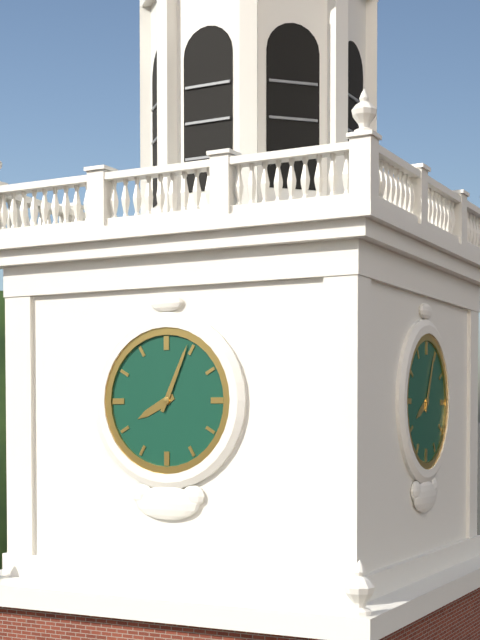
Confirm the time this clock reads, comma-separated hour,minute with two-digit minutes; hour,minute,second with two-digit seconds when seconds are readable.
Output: 8,04
